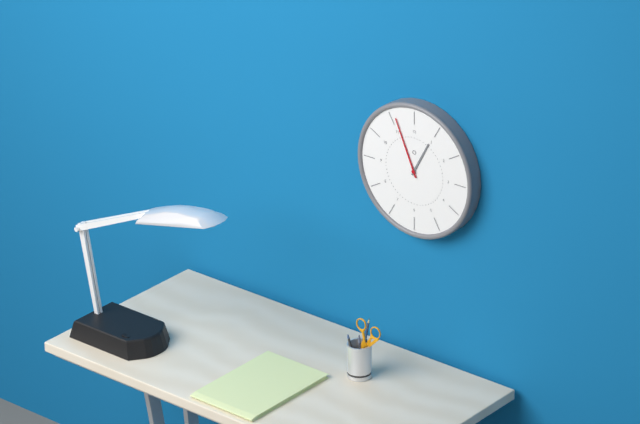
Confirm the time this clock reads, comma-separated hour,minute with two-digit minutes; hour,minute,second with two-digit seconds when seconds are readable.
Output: 12,56
